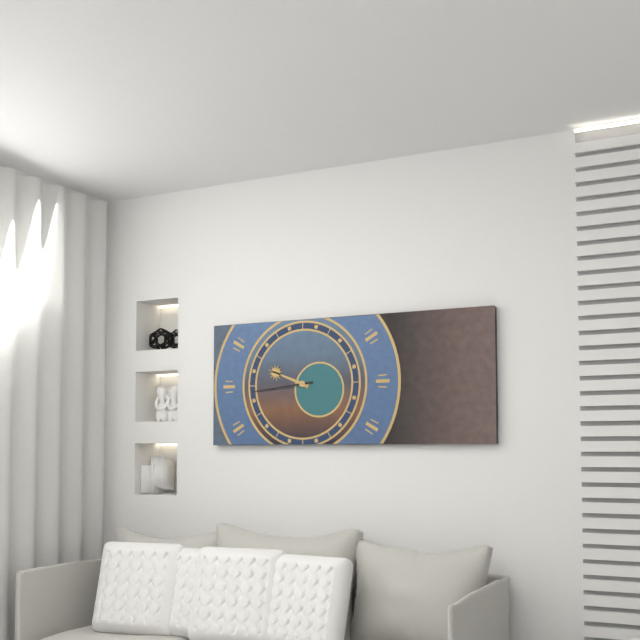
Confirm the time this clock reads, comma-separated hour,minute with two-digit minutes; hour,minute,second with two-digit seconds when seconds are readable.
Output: 9,44
